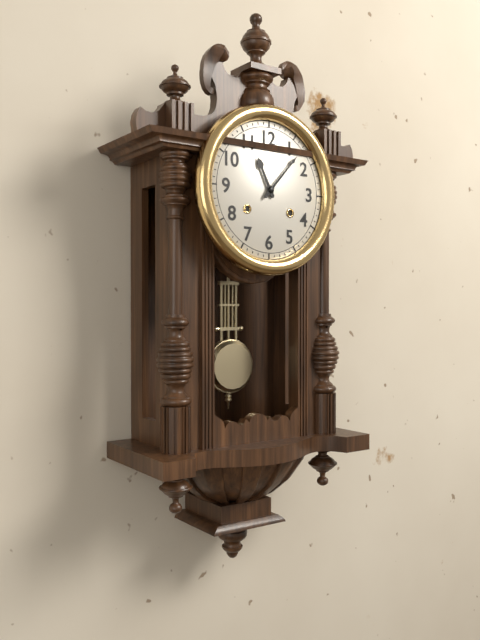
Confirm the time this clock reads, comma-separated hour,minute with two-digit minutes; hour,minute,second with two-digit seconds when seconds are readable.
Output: 11,07
